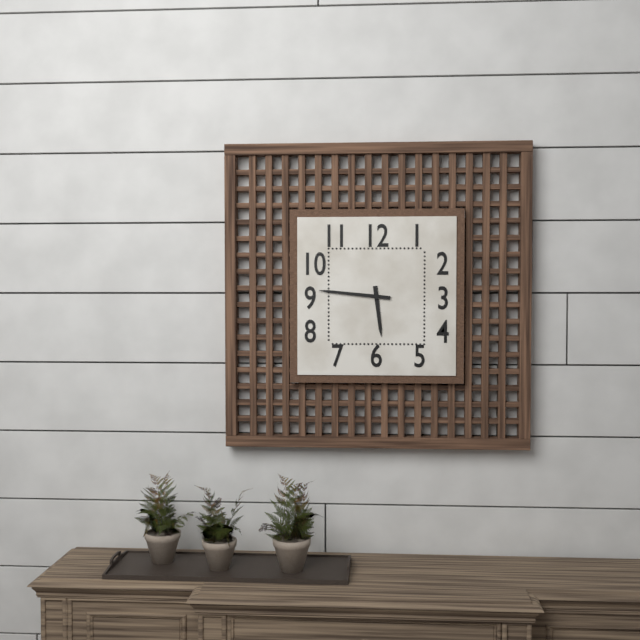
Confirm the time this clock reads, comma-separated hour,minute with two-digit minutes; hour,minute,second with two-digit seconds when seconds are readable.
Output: 5,46
